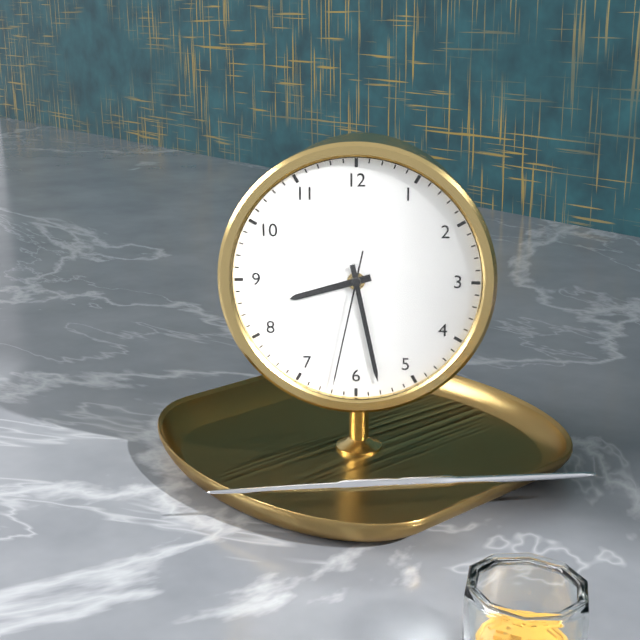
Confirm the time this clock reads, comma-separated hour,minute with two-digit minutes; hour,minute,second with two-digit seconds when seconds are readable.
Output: 8,28,32
